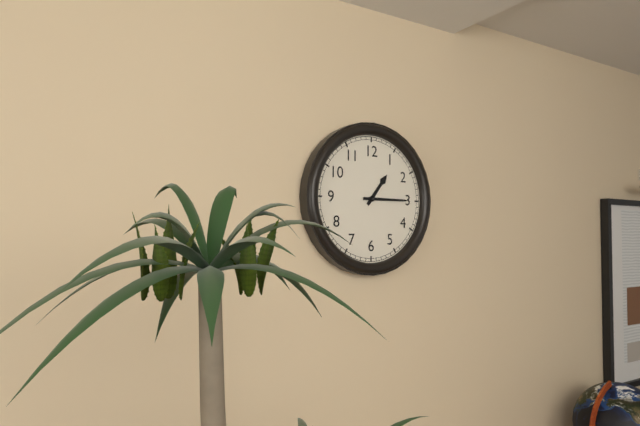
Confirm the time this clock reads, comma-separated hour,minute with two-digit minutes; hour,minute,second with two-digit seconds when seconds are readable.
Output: 1,15
